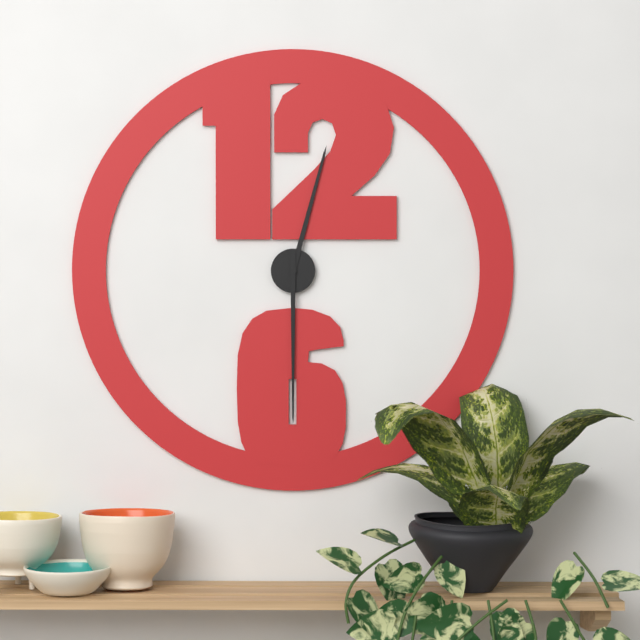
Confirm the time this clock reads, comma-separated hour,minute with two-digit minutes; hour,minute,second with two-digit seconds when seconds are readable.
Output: 12,30
